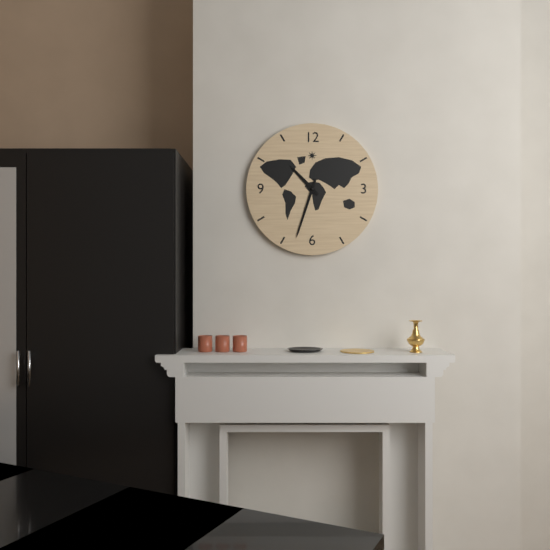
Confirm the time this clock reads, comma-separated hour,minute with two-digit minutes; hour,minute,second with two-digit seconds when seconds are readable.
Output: 10,33
